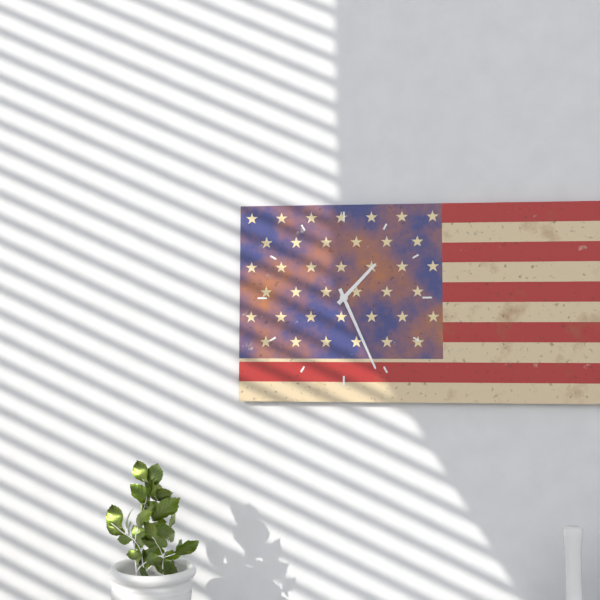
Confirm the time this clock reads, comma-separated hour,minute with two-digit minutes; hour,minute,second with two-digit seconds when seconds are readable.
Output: 1,26
